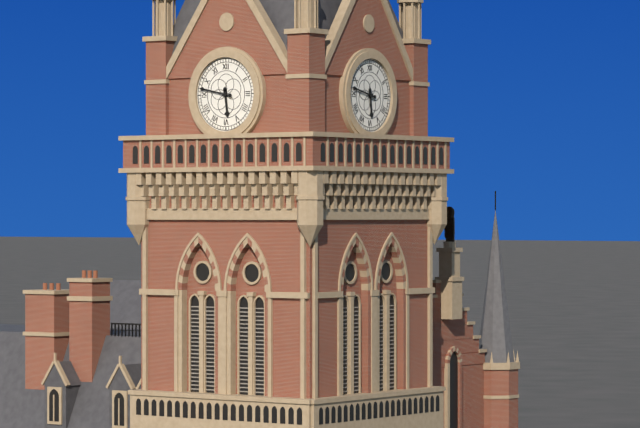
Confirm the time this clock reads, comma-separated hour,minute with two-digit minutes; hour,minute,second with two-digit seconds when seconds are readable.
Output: 5,47
